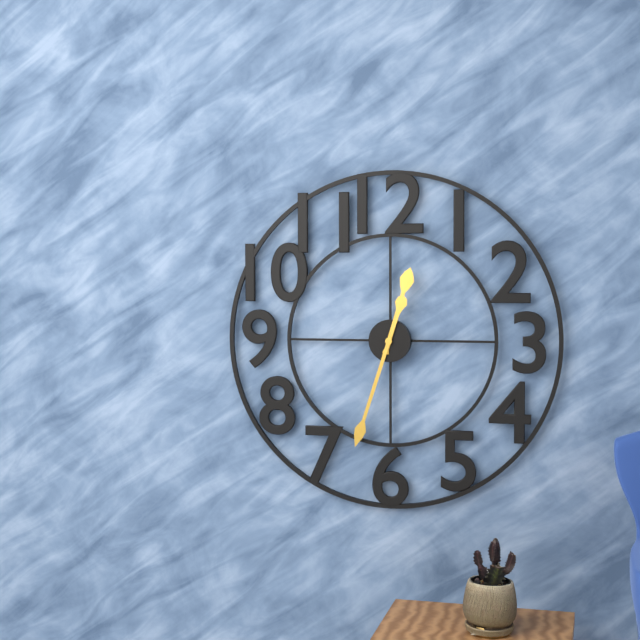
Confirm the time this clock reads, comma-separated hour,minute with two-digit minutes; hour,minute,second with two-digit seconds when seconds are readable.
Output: 12,33
